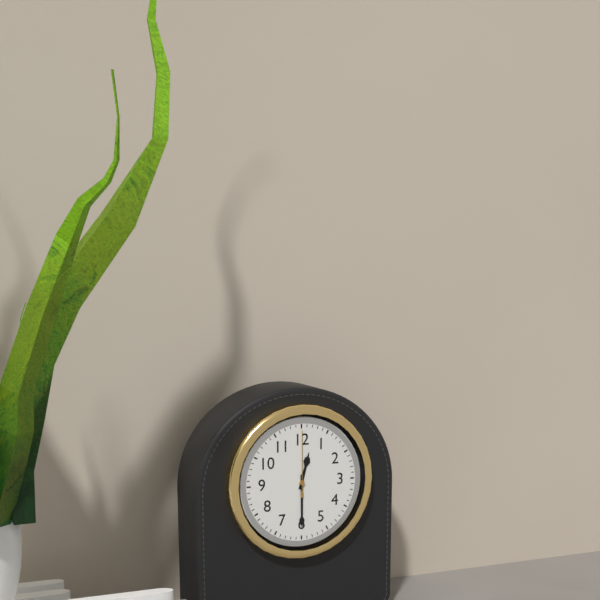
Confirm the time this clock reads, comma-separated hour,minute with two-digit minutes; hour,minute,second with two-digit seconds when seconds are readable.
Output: 12,30,00
